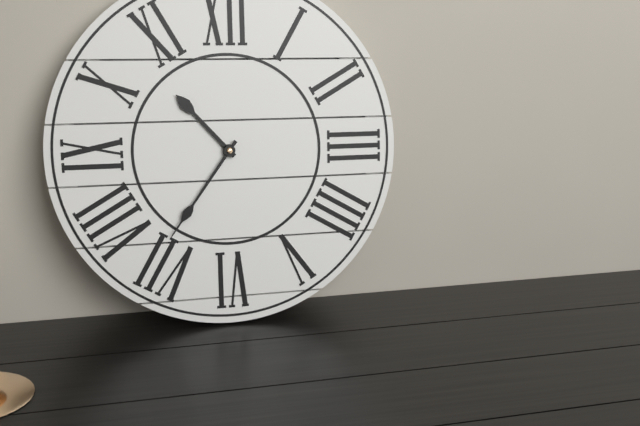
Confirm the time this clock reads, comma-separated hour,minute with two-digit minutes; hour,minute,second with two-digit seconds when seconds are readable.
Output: 10,36
